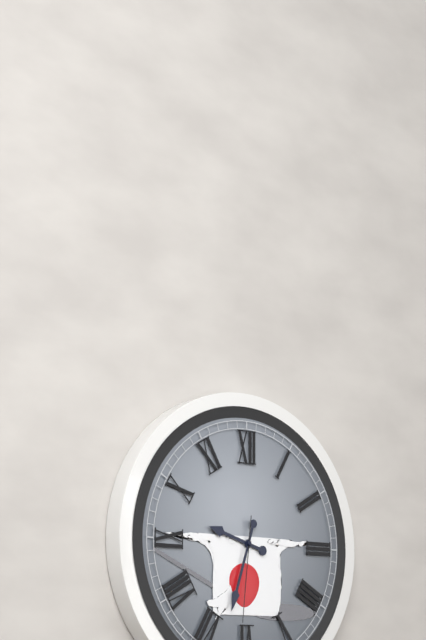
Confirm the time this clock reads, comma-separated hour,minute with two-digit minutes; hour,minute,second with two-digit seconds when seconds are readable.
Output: 9,33,31
